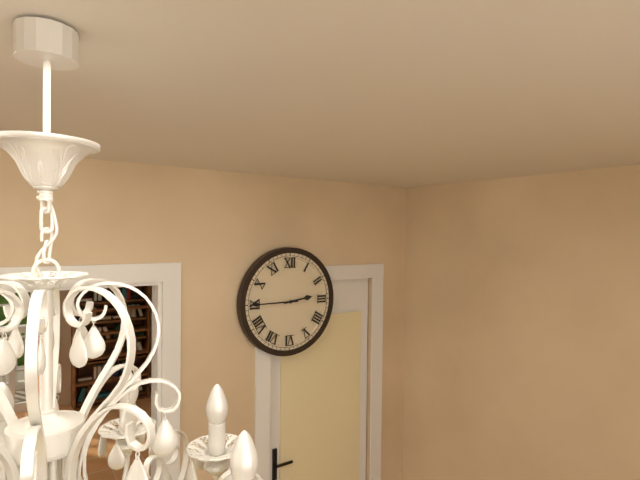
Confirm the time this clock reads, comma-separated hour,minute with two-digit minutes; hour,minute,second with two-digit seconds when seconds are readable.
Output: 2,45
